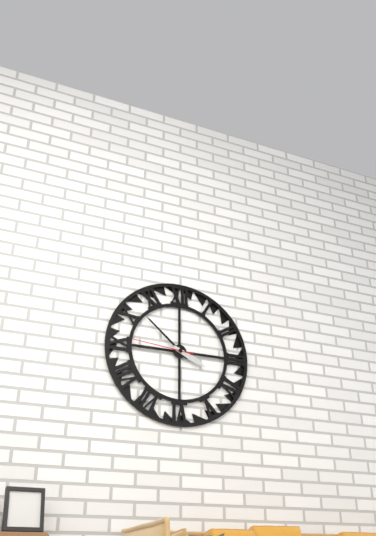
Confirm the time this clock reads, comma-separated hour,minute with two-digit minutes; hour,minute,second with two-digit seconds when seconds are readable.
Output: 3,52,46
